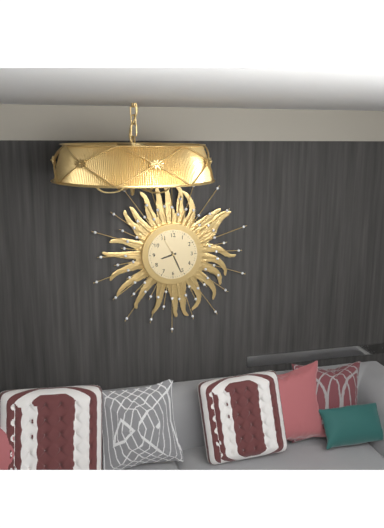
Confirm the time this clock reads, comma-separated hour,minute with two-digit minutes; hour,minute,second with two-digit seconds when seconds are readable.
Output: 8,26
